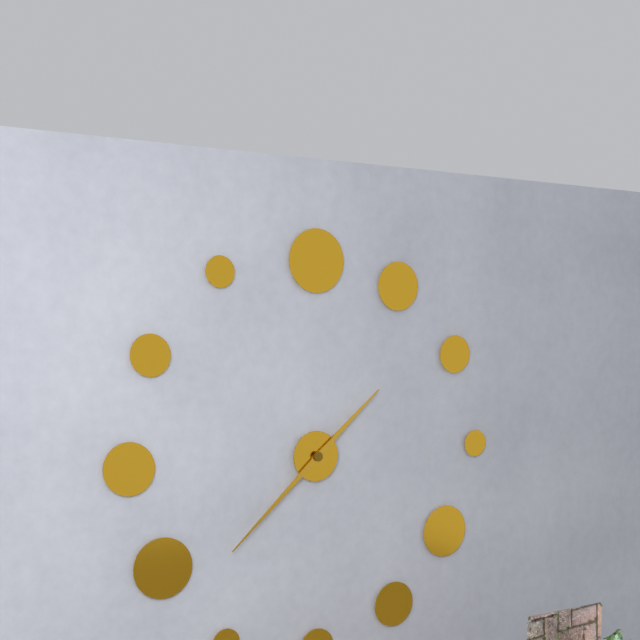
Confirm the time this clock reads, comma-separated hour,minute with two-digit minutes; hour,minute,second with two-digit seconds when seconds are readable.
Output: 1,38
